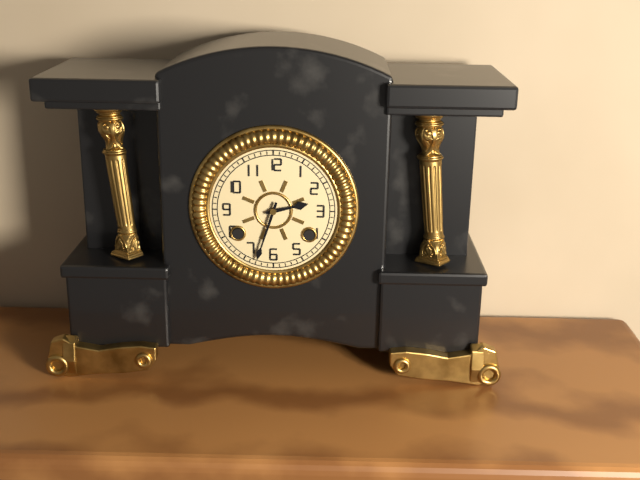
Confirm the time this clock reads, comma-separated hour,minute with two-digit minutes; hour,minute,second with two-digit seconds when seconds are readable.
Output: 2,33
